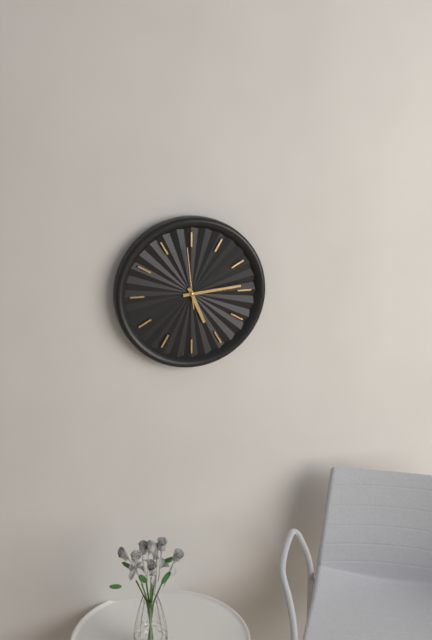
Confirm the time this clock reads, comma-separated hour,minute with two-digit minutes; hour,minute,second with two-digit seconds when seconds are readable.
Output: 5,14,59
